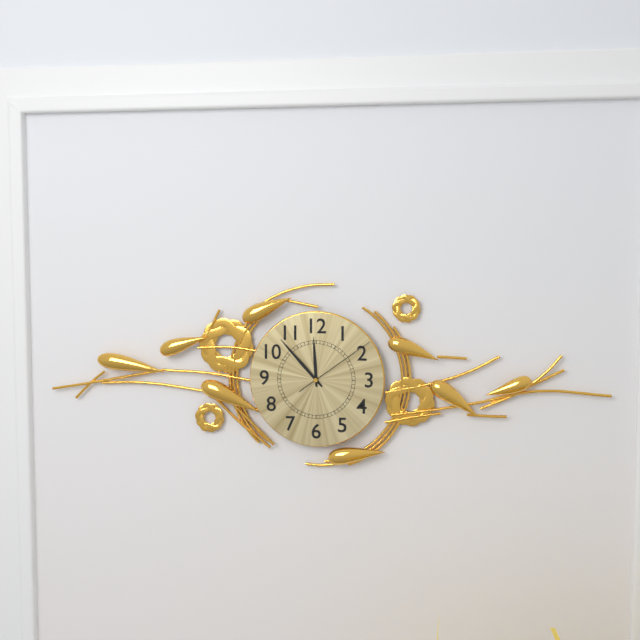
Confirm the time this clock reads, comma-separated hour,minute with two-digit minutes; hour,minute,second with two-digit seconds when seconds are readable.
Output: 11,53,09
